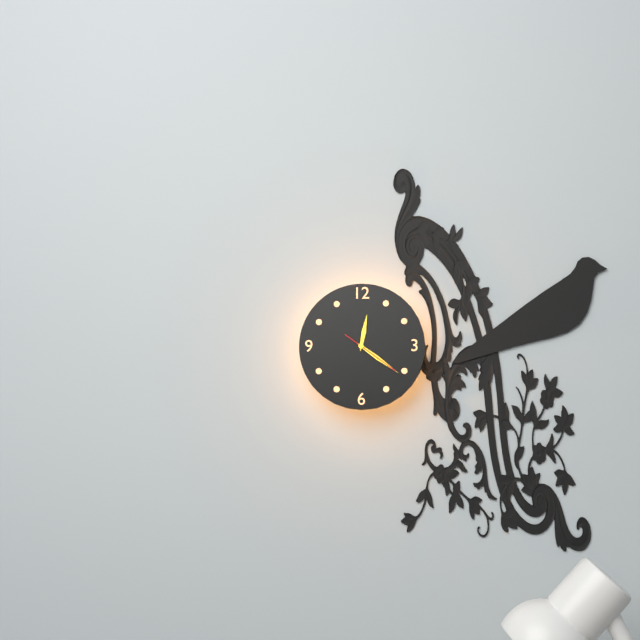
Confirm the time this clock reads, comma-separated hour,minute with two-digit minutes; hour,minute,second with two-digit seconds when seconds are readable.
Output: 12,21
